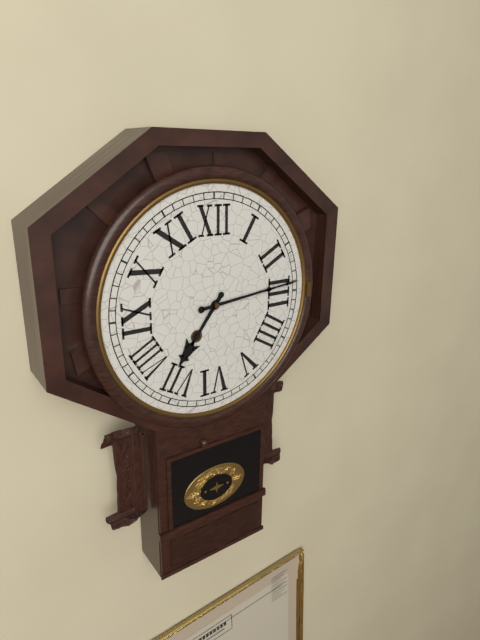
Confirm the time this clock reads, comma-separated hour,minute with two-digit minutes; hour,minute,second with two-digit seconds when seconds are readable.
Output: 7,14
